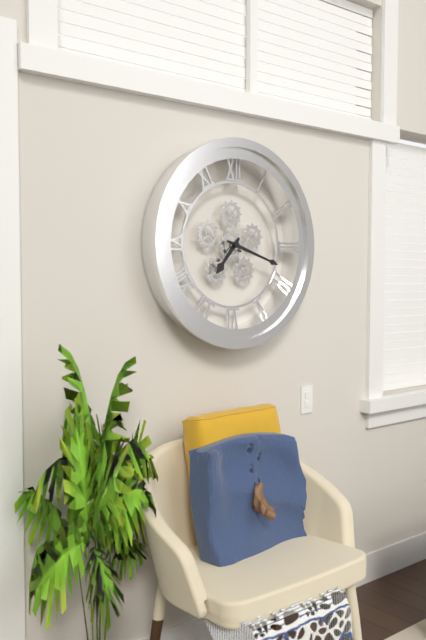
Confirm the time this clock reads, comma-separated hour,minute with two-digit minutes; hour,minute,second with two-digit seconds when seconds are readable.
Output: 7,18
